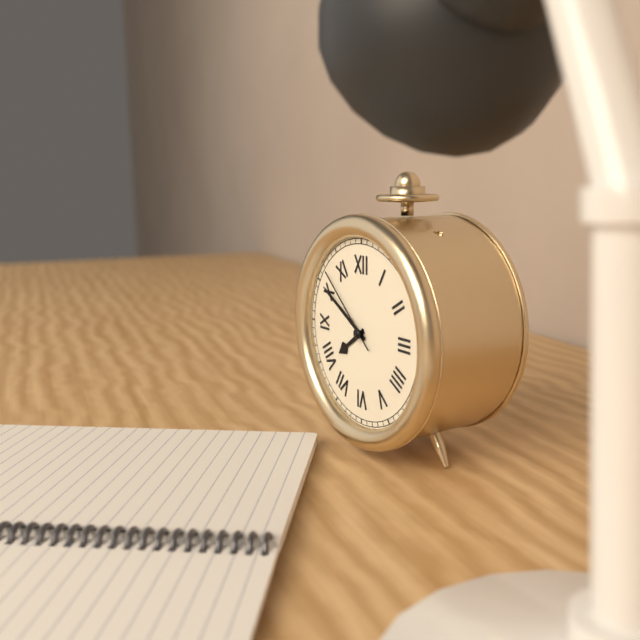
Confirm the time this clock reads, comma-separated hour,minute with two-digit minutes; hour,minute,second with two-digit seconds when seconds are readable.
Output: 7,50,52
